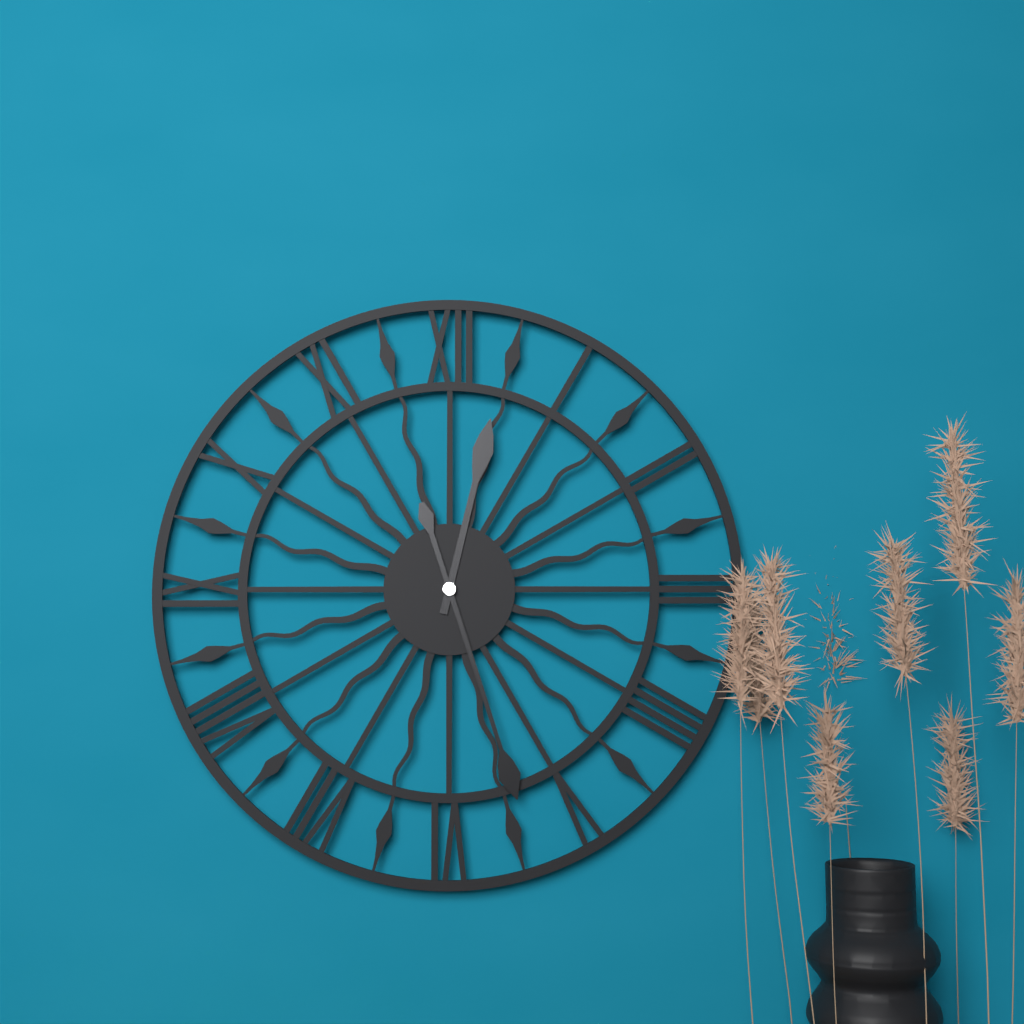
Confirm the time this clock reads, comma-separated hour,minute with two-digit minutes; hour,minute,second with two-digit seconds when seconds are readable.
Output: 12,27
